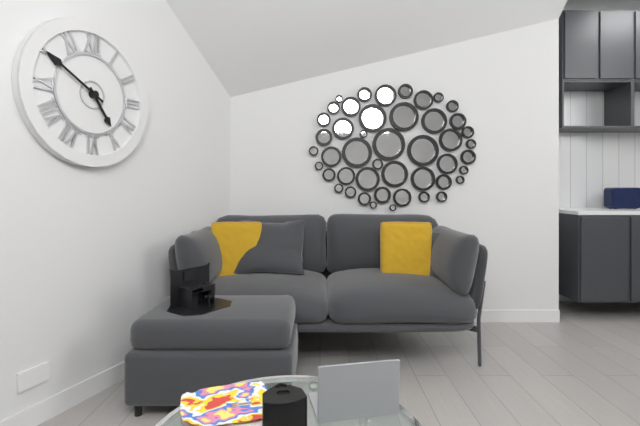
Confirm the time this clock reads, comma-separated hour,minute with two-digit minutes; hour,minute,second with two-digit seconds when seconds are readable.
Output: 4,50
